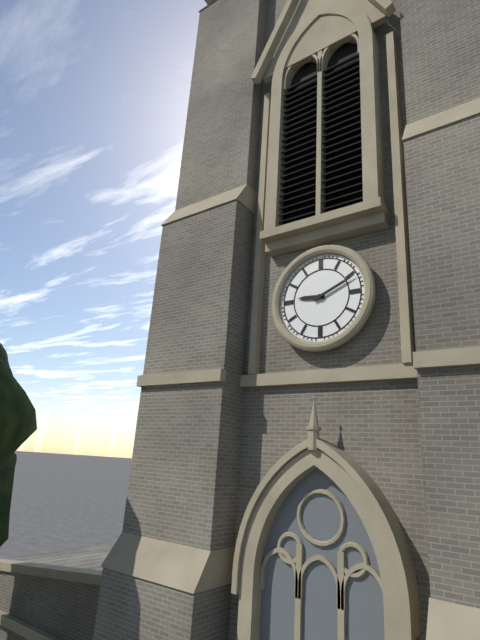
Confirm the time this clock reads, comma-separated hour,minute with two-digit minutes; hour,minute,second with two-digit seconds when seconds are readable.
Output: 9,11
